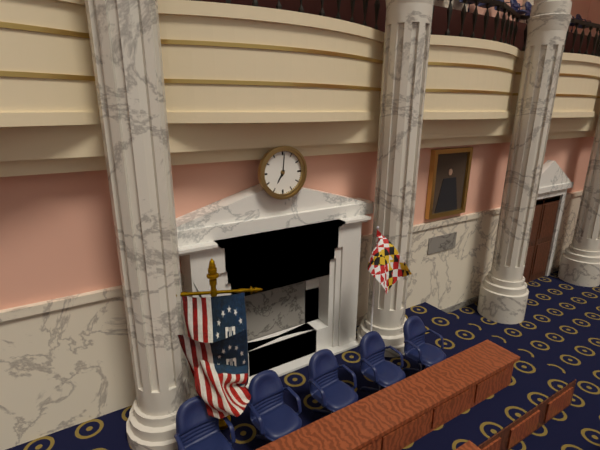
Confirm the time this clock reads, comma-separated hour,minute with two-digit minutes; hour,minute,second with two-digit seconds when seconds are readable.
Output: 7,01
